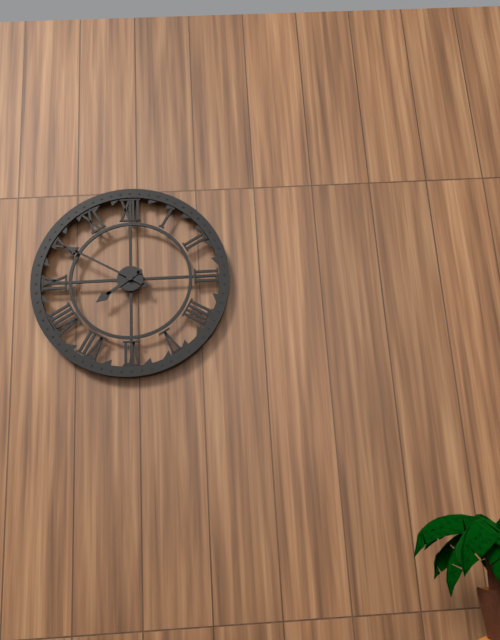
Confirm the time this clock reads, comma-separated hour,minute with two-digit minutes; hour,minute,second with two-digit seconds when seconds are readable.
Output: 7,50
